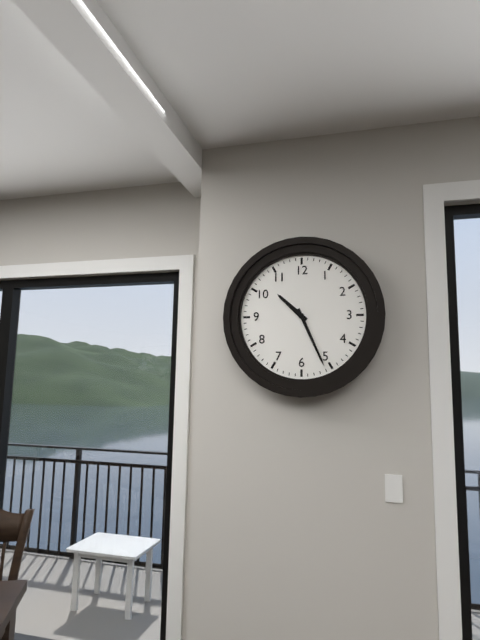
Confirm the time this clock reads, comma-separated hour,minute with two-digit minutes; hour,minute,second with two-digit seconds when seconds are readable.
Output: 10,26
